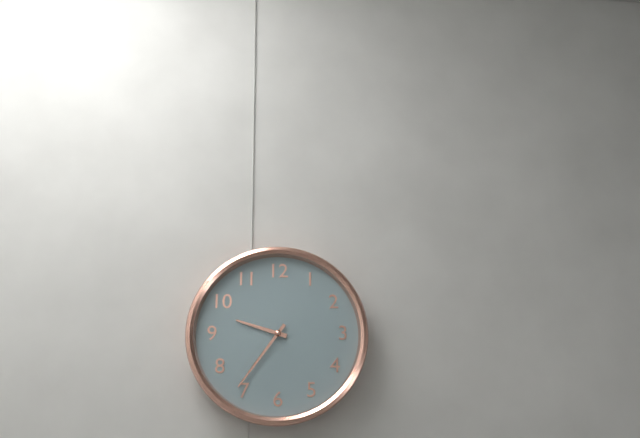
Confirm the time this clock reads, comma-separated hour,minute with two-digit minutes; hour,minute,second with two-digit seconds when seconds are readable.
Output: 9,36
